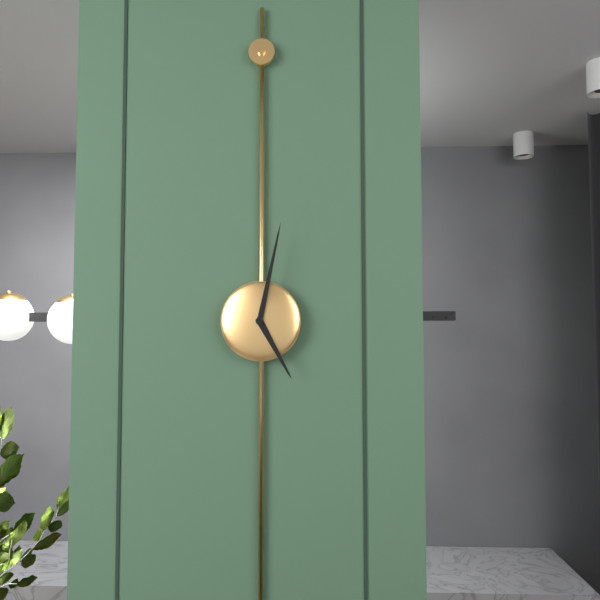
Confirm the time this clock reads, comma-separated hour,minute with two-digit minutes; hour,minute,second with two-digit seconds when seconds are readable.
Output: 5,02
